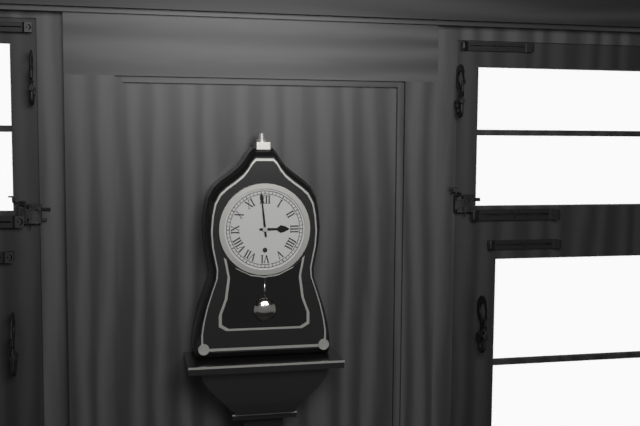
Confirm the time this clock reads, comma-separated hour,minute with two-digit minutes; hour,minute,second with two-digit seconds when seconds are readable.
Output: 2,59
